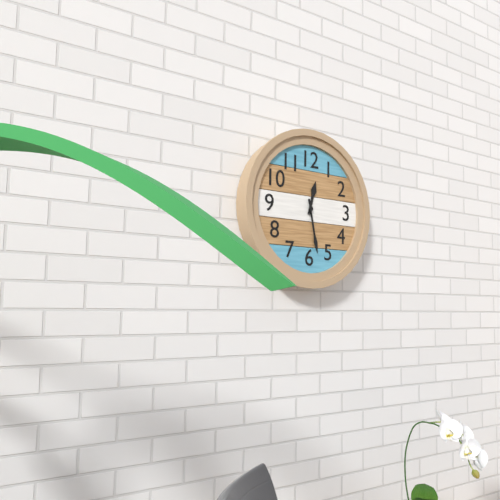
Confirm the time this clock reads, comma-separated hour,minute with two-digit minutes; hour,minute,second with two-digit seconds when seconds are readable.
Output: 12,28
